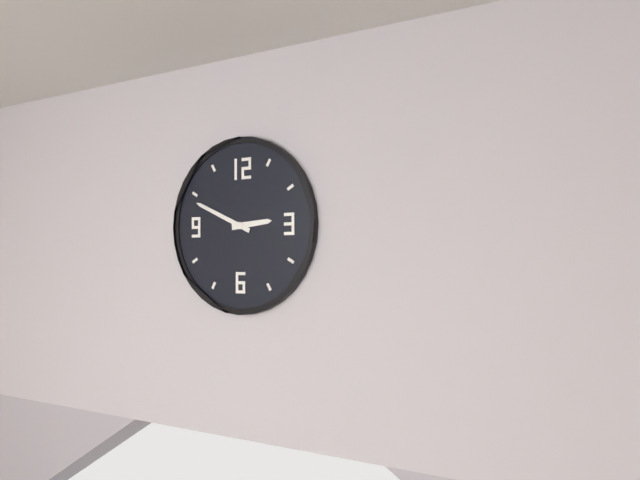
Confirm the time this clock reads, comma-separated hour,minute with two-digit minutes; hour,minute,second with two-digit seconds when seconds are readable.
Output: 2,49
